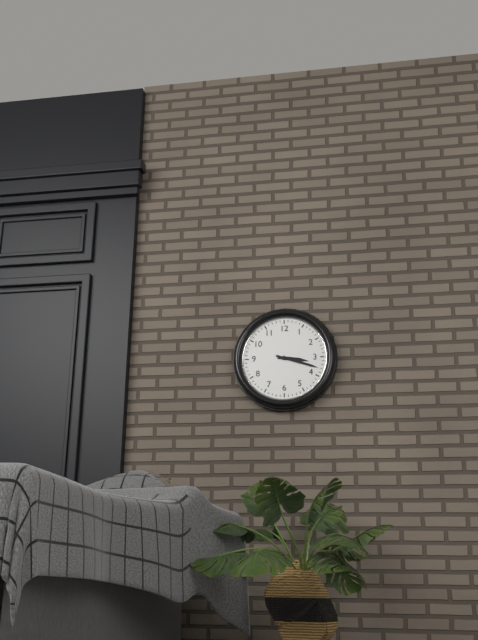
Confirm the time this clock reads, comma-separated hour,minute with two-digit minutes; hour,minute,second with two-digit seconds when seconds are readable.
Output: 3,18
